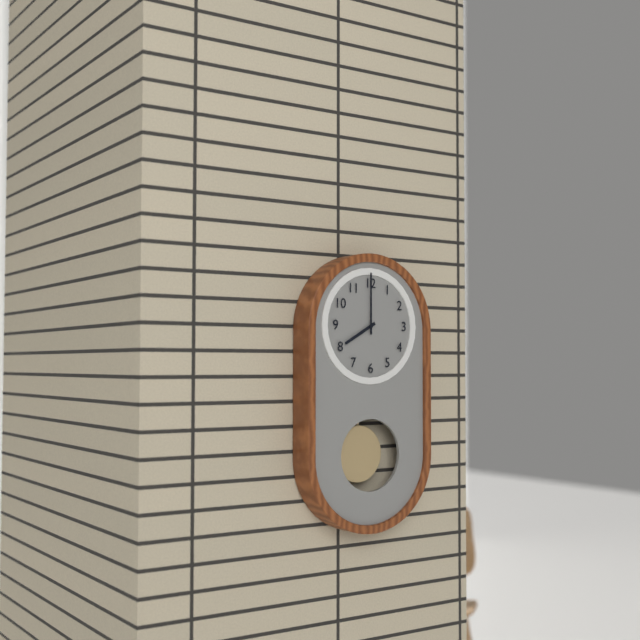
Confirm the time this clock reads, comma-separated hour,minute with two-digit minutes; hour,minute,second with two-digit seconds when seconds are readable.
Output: 8,00
